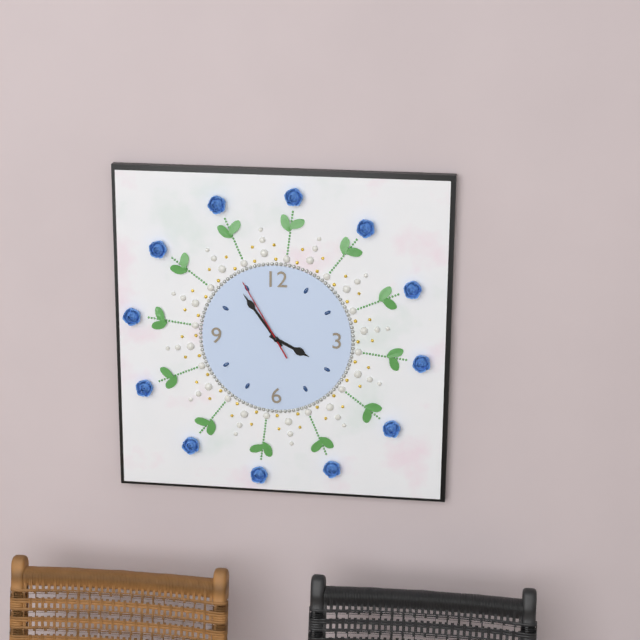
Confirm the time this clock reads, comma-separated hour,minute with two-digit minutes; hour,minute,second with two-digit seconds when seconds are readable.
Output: 3,54,55
